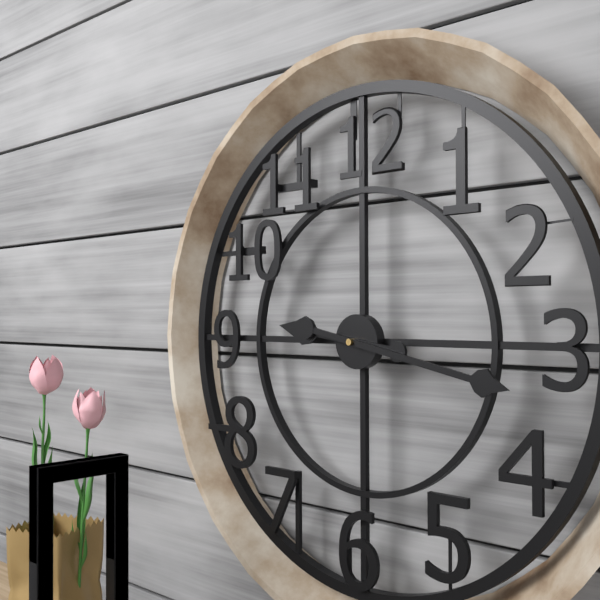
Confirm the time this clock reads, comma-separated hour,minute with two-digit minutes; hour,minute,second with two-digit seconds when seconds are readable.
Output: 9,17
